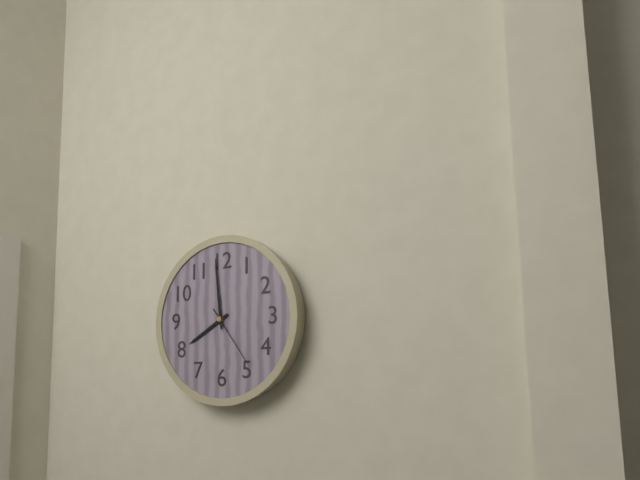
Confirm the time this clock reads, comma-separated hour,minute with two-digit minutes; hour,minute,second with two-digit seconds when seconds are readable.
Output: 7,59,24
